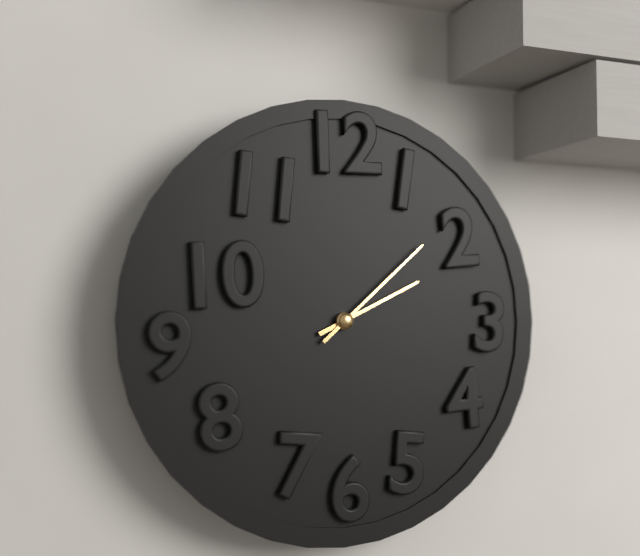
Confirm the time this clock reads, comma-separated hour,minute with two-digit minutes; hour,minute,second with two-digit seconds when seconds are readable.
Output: 2,08
